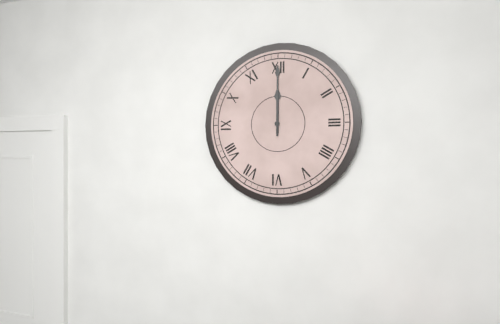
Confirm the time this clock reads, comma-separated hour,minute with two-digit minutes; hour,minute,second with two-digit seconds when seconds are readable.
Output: 12,00
